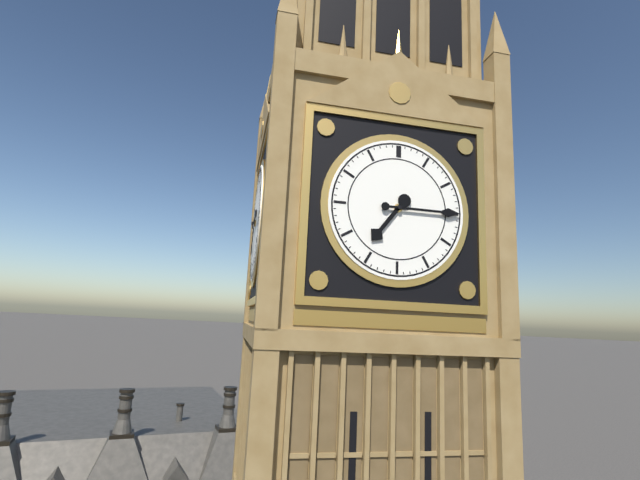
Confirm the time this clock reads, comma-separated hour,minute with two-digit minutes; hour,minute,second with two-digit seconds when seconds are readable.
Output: 7,15
